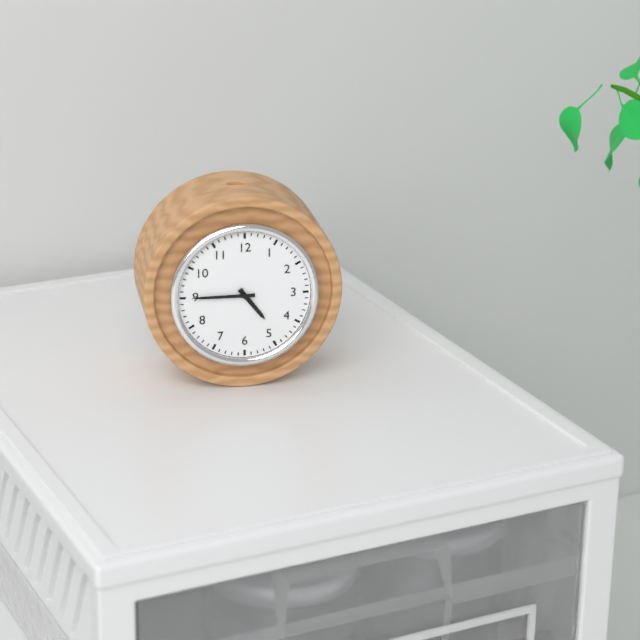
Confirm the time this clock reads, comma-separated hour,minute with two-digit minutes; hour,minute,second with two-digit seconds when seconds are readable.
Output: 4,45
